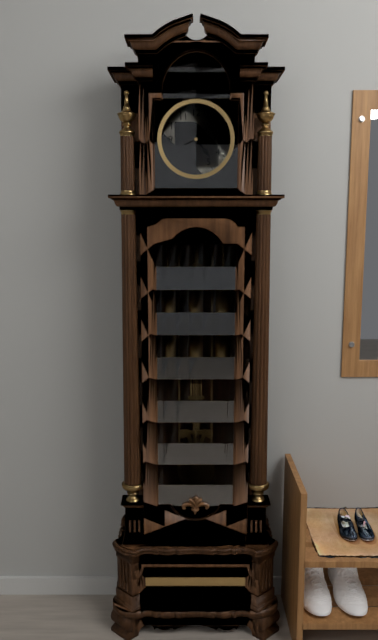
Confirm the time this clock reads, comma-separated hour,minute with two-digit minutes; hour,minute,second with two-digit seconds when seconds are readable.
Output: 4,41
